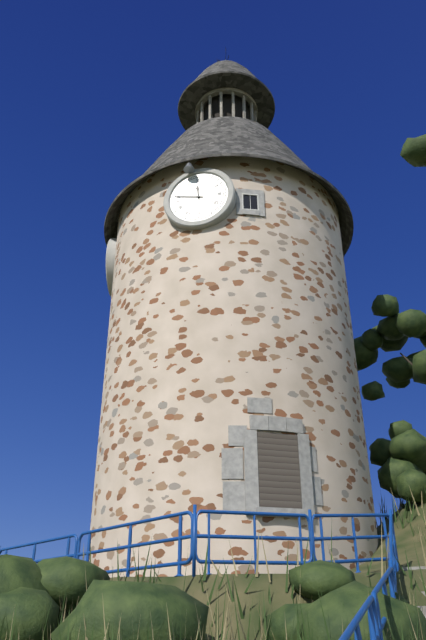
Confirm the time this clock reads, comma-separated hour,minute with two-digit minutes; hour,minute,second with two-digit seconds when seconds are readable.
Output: 11,47
